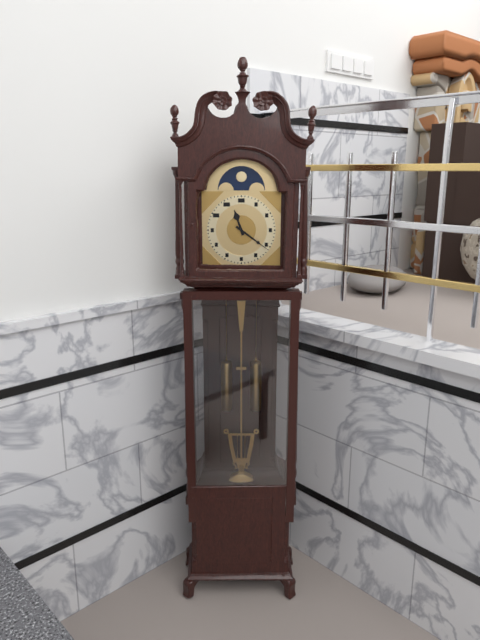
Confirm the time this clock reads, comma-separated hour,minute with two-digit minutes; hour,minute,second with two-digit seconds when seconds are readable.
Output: 11,21
